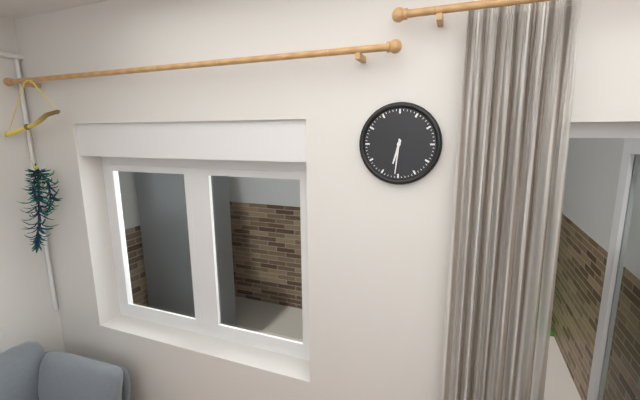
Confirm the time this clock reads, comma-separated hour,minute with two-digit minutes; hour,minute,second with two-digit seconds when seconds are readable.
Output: 6,31
